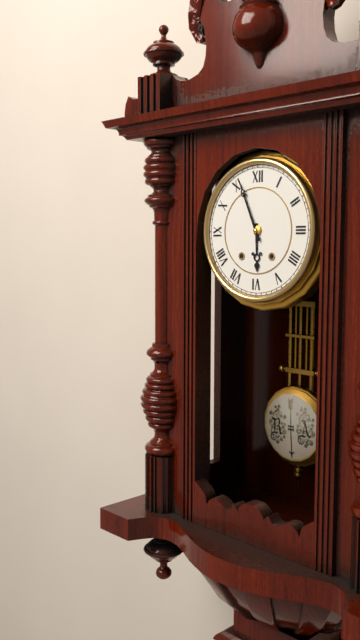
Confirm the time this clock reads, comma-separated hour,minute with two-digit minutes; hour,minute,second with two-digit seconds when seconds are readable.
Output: 5,56
